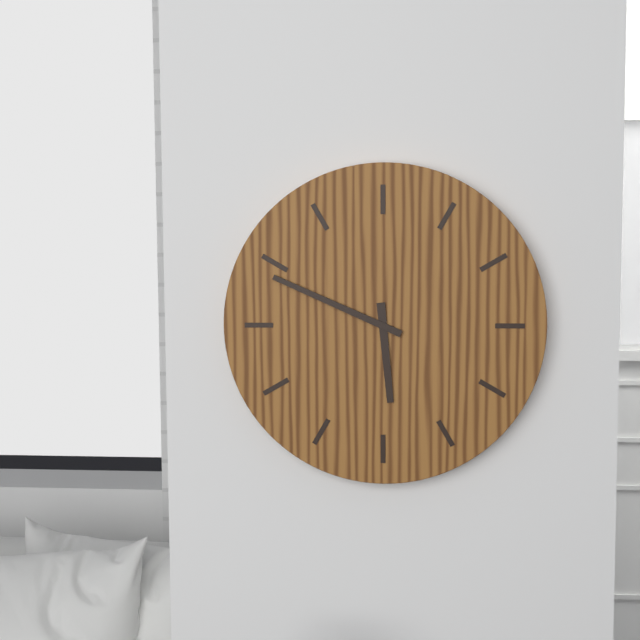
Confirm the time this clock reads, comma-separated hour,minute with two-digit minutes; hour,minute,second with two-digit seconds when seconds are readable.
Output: 5,49
